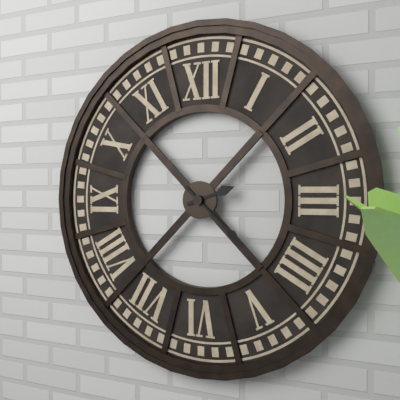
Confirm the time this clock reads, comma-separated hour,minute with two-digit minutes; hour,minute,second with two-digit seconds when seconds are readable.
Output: 2,22
